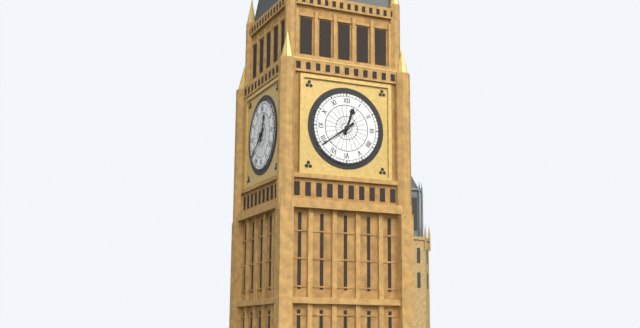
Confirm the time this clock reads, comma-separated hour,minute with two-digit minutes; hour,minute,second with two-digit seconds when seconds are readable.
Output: 12,39
